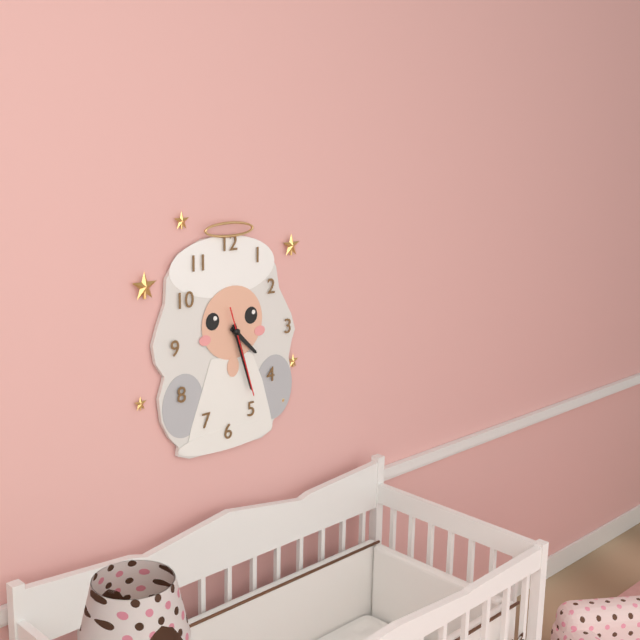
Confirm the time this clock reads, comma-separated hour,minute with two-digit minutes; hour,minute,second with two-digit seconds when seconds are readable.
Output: 4,27,27
